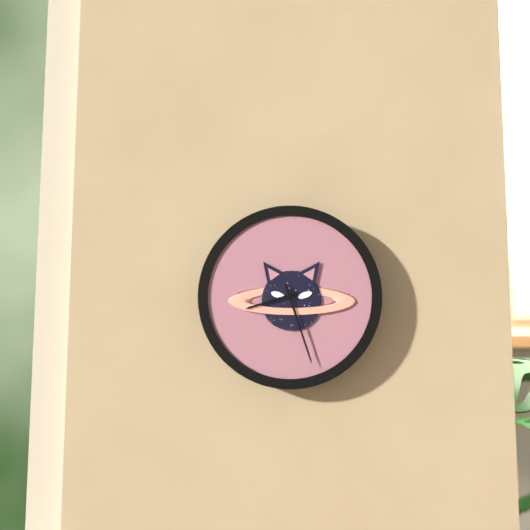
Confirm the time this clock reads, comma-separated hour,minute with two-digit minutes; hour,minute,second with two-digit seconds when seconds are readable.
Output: 8,27
